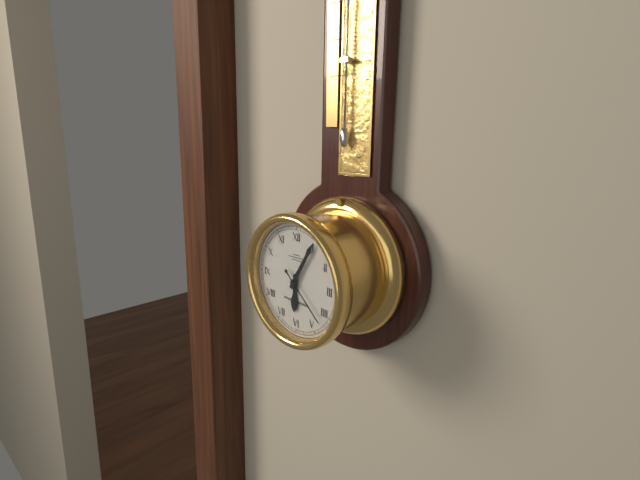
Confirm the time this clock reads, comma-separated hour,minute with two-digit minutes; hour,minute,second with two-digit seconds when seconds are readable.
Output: 6,05,22
